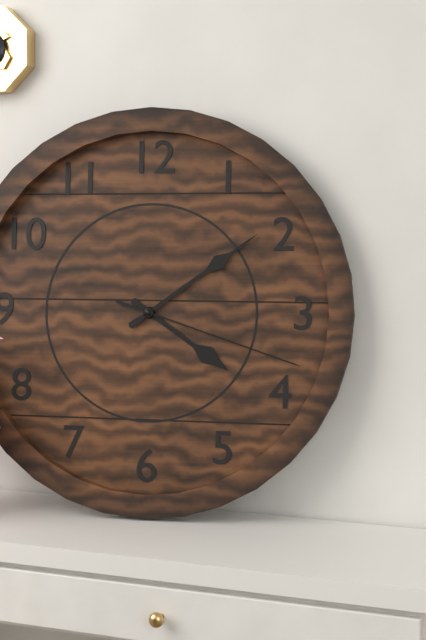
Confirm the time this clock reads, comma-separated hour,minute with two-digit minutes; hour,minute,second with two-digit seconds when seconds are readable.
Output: 4,09,18
